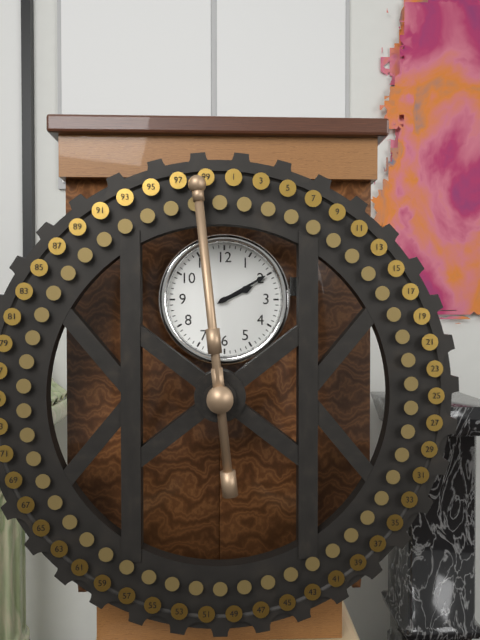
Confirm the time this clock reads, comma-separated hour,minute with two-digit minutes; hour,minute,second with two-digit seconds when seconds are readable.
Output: 2,10
